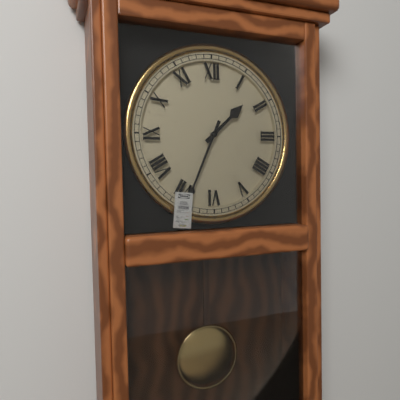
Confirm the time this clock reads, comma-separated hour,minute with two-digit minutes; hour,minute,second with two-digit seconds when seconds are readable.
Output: 1,34
